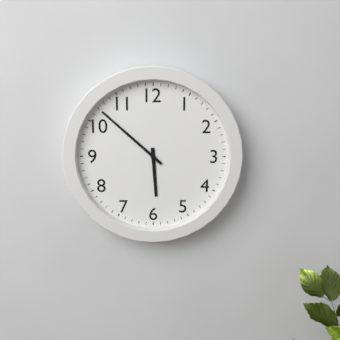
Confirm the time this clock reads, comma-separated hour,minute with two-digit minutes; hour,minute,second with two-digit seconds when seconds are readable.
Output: 5,52
